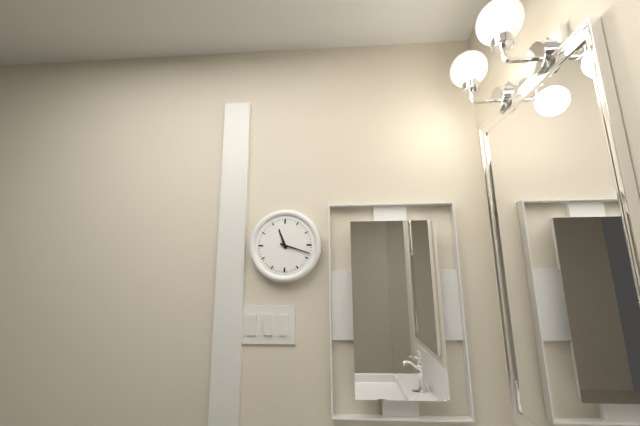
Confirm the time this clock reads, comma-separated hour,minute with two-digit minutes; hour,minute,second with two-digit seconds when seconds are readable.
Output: 11,18
